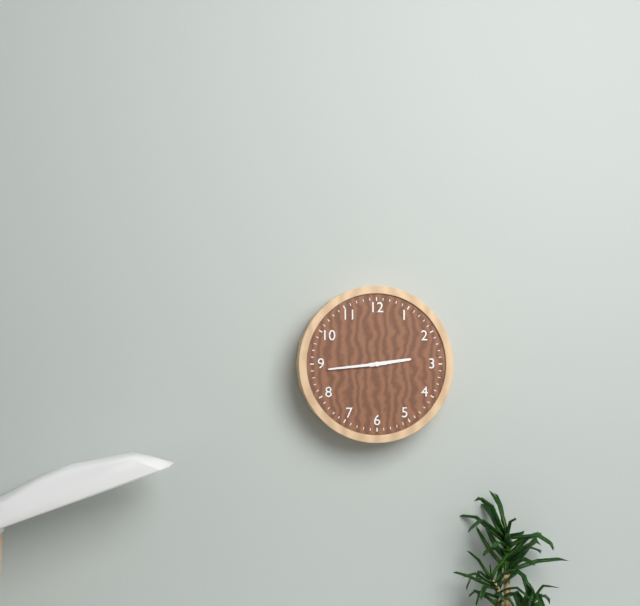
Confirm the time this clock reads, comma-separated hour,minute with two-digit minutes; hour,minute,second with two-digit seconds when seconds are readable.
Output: 2,44
